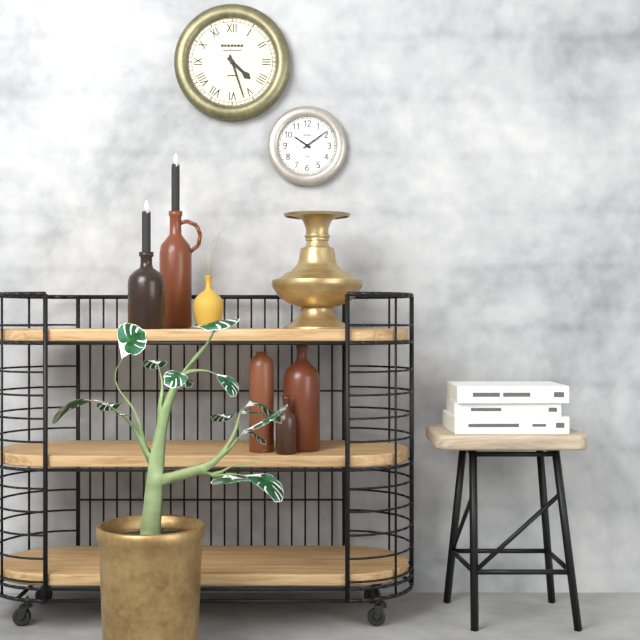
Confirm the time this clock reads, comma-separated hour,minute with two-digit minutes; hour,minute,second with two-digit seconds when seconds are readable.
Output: 4,27
